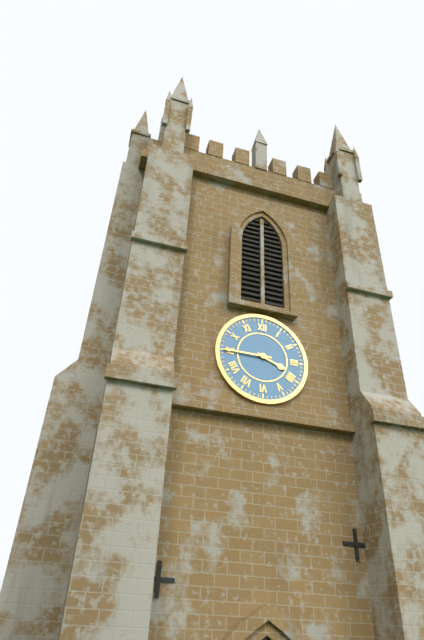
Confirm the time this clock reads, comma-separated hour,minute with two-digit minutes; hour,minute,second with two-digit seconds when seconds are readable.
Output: 3,45
